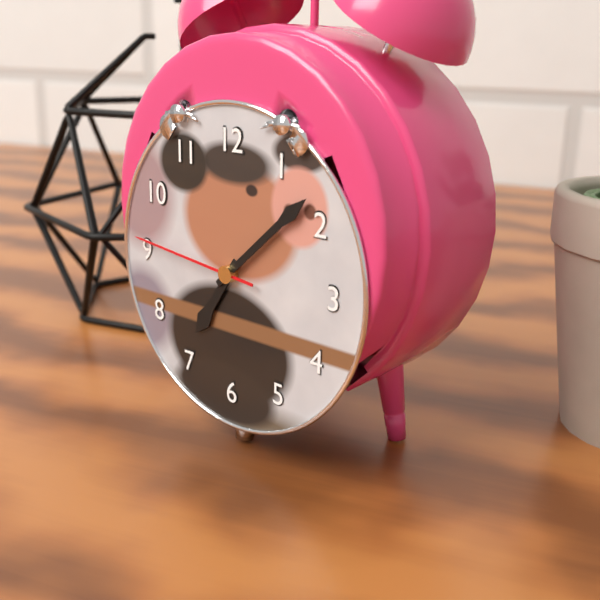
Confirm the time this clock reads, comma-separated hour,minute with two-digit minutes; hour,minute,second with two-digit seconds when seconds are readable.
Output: 7,08,46
